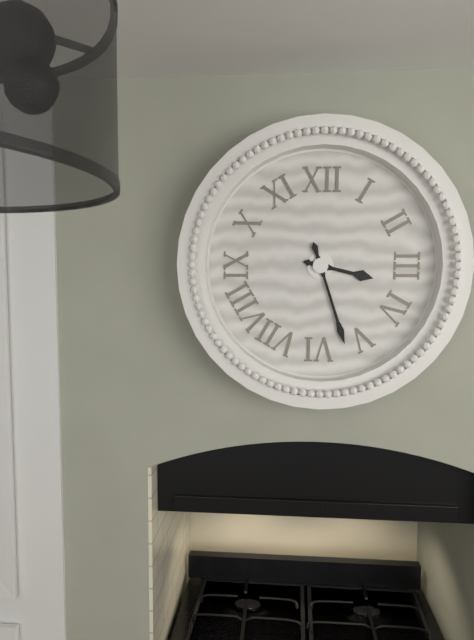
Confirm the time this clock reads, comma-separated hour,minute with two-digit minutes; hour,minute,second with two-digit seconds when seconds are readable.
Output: 3,27
